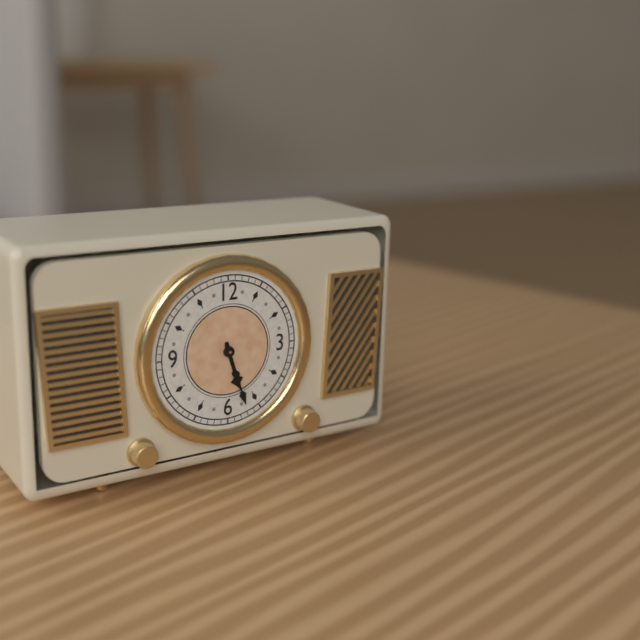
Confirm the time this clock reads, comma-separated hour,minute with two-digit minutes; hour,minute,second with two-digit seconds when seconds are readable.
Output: 5,27
